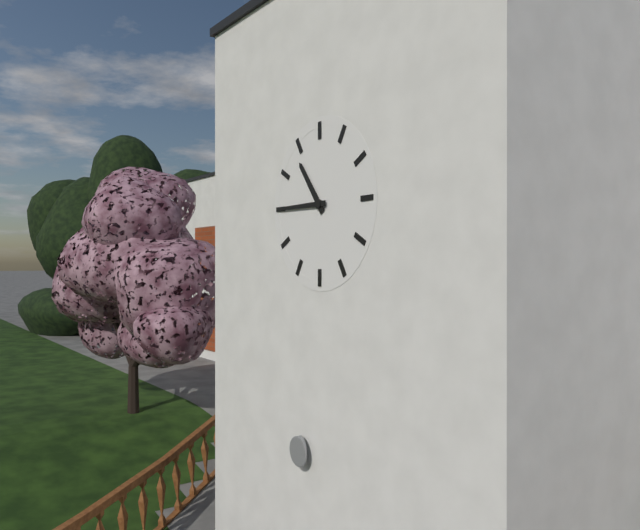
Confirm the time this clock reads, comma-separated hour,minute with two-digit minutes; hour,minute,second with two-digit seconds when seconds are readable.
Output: 10,45
